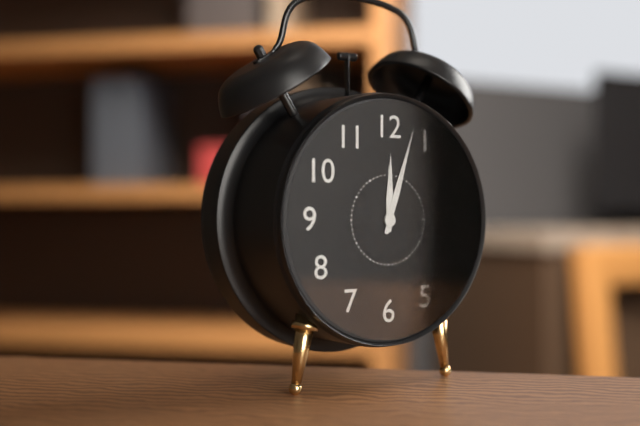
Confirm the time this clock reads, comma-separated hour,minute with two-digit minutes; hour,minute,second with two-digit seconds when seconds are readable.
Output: 12,03
